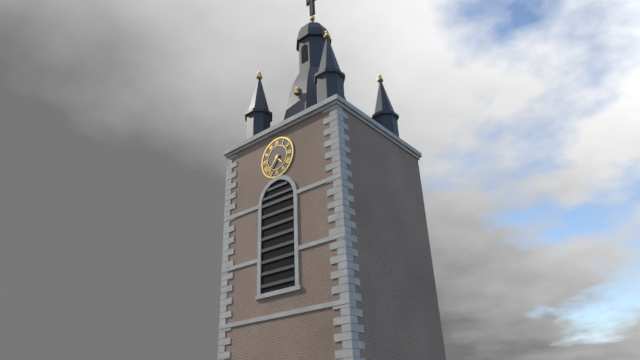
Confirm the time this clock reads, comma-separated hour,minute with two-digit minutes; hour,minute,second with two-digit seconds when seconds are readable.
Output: 4,37
